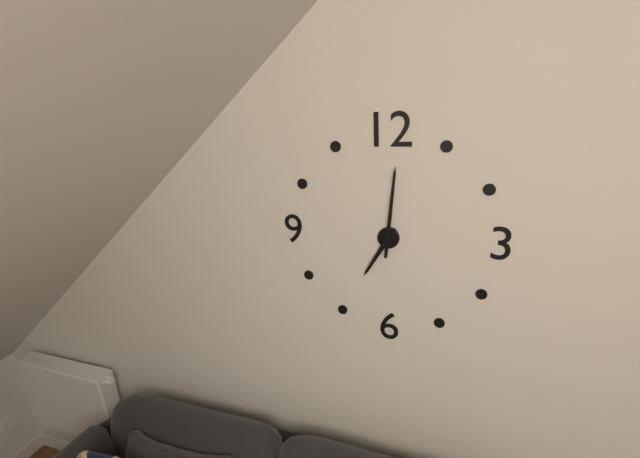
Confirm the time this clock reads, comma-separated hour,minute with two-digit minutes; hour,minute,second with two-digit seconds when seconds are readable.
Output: 7,01
